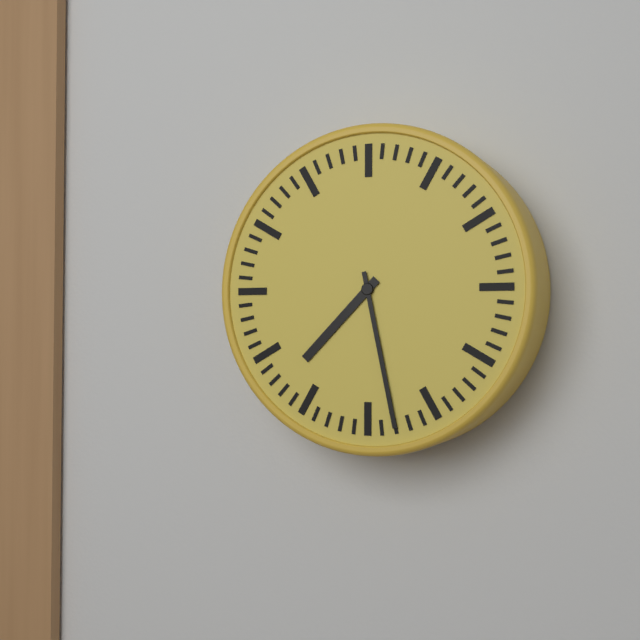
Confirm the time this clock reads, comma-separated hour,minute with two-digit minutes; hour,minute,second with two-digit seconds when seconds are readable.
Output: 7,28
